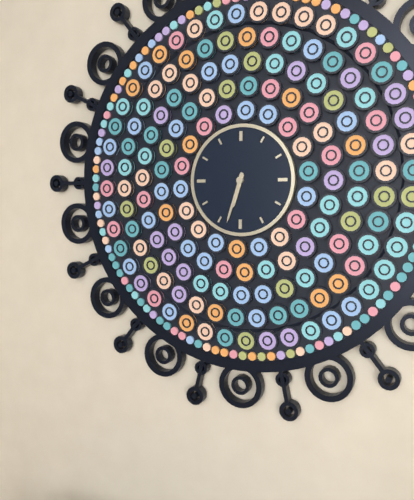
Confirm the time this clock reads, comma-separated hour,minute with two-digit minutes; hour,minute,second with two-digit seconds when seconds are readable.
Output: 6,33
